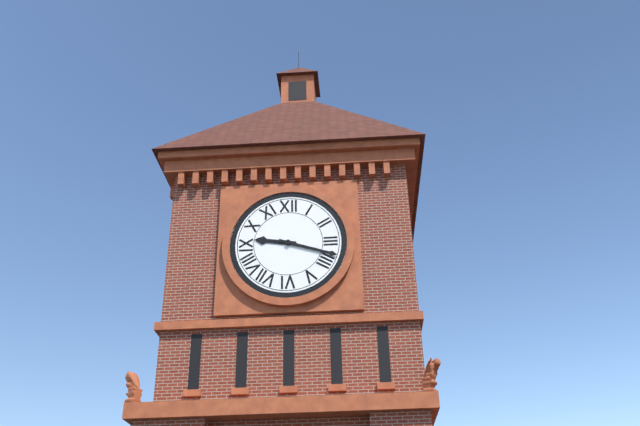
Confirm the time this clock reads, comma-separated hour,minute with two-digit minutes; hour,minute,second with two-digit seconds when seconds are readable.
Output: 9,18
